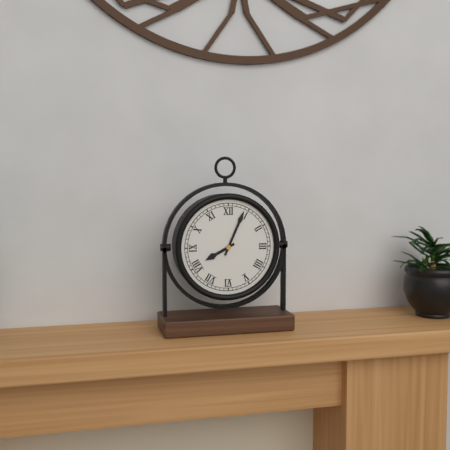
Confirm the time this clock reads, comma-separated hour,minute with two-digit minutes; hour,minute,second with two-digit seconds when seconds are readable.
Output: 8,04
